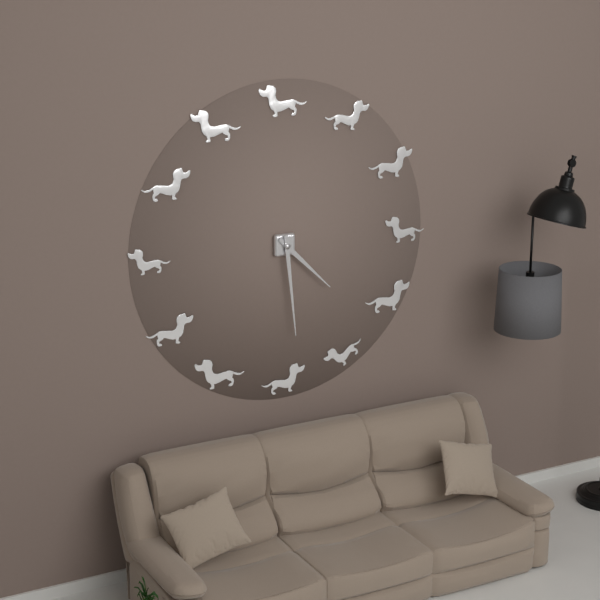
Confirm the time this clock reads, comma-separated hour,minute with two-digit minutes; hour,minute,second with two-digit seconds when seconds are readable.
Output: 4,29
